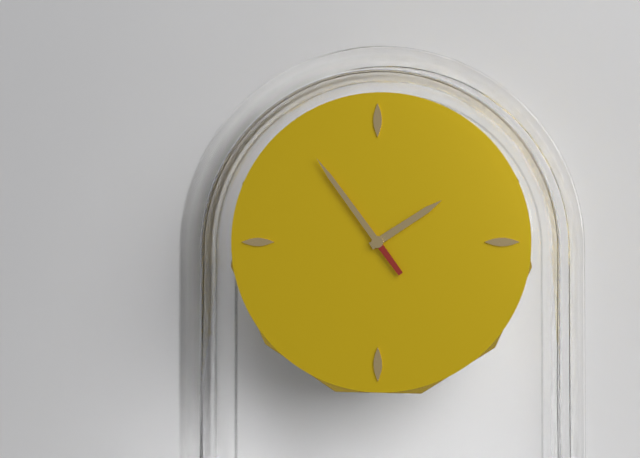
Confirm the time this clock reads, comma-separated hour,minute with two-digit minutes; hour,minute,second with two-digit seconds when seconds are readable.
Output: 1,54
